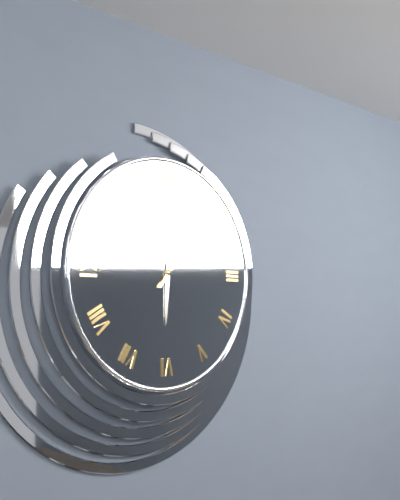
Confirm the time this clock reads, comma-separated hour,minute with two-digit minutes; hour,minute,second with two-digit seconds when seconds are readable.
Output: 6,06
